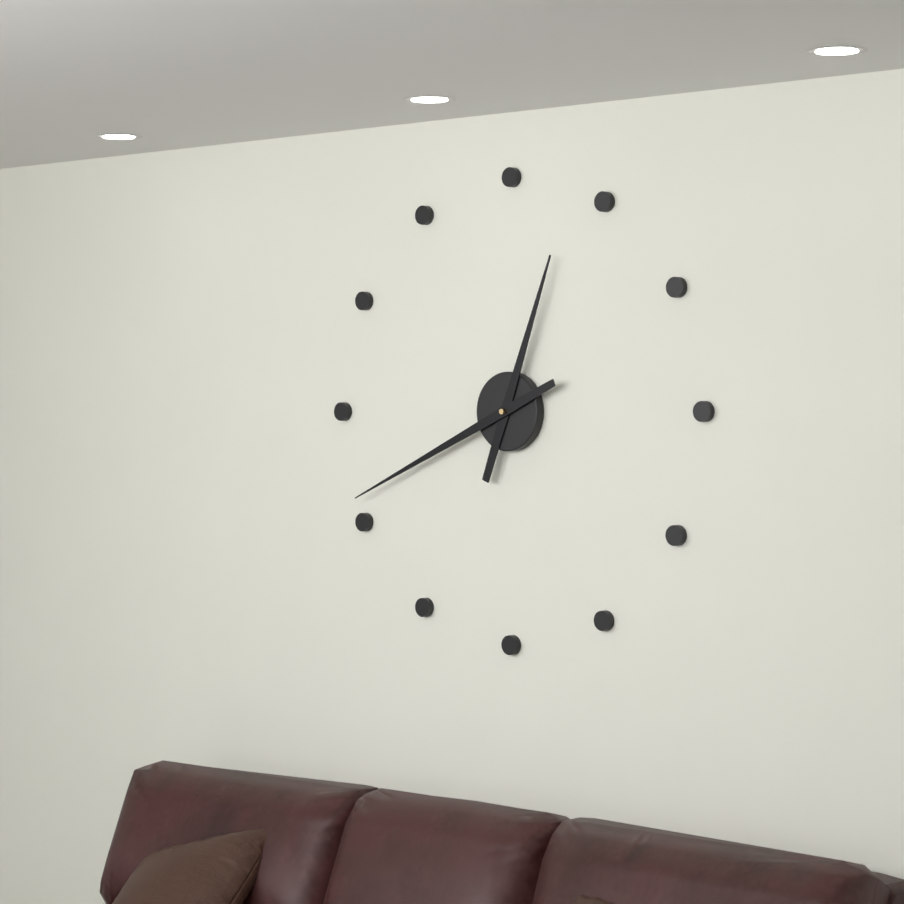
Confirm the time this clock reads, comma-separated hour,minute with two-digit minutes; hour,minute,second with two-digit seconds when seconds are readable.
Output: 12,41
